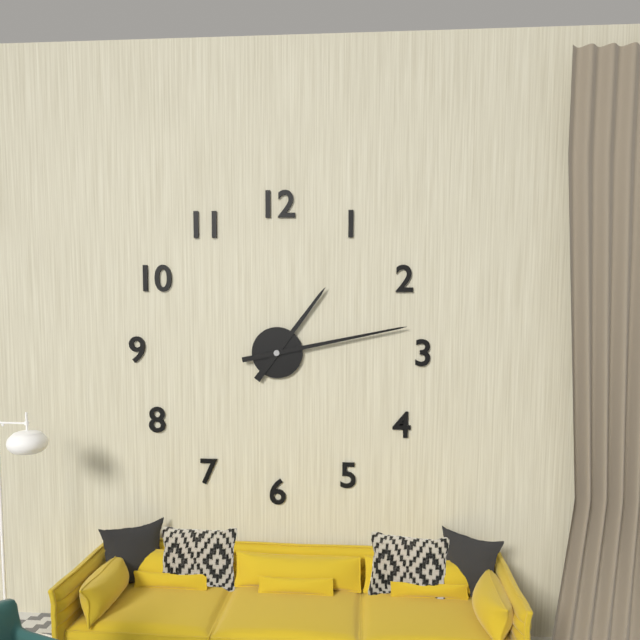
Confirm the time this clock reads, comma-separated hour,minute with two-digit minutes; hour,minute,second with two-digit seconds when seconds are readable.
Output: 1,13
